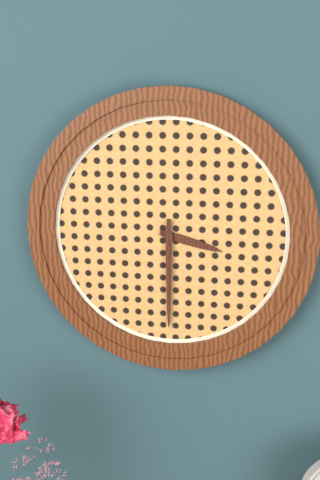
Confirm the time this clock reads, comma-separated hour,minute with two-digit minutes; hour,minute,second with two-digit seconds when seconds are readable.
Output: 3,30
